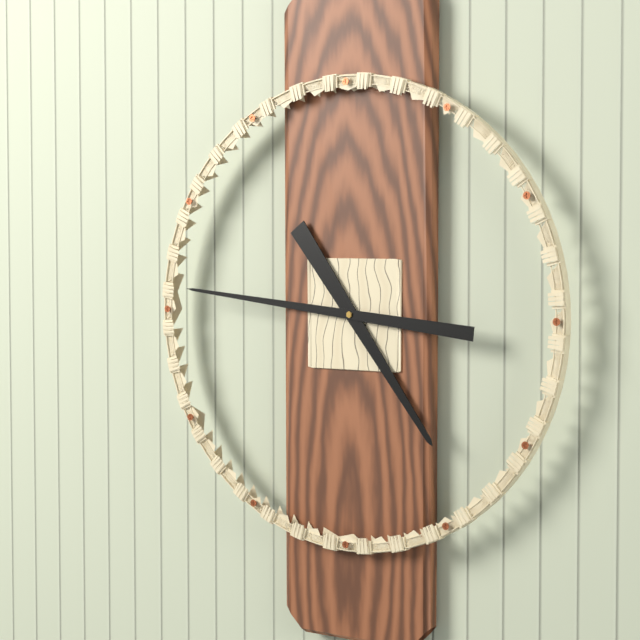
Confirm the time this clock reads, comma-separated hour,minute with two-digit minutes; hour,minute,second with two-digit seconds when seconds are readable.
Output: 4,46
